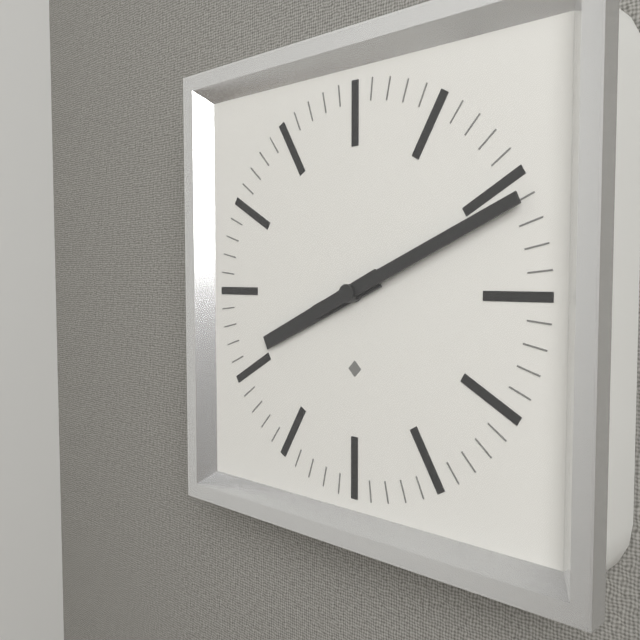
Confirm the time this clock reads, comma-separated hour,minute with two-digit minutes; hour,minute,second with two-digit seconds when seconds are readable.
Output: 8,11
